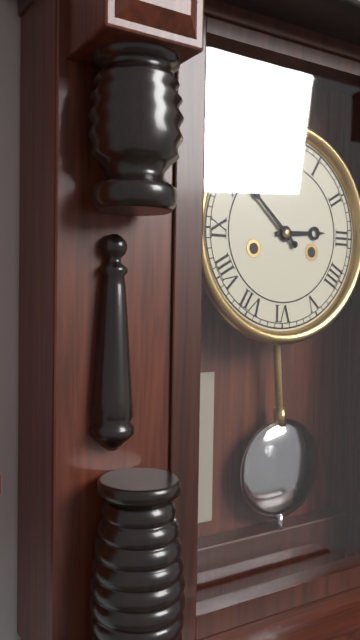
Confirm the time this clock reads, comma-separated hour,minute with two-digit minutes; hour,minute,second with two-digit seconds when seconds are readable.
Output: 2,52
